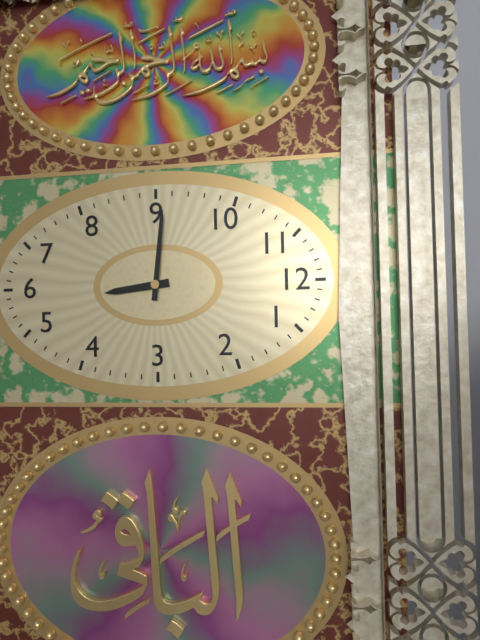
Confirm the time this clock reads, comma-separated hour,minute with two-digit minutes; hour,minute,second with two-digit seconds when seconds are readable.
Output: 5,46
